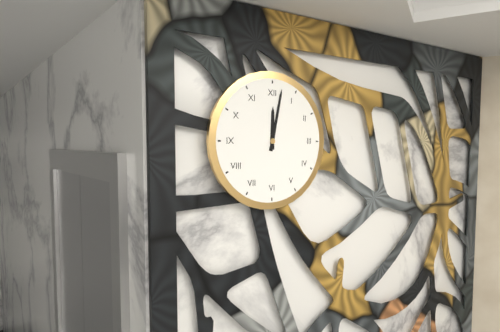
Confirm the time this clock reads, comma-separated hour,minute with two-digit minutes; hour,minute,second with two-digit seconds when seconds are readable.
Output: 12,02
